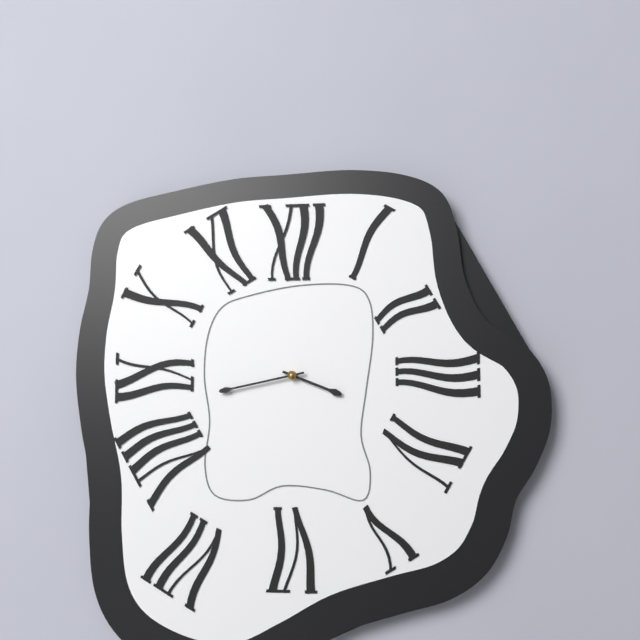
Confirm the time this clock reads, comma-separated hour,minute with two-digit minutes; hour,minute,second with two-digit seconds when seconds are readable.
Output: 3,43
